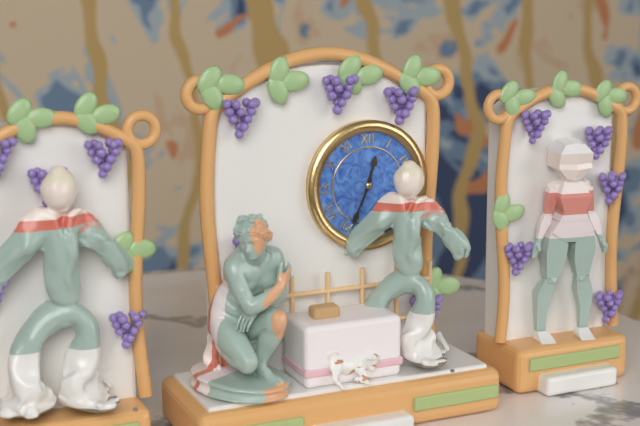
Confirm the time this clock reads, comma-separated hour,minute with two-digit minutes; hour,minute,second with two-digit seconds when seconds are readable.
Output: 12,34
